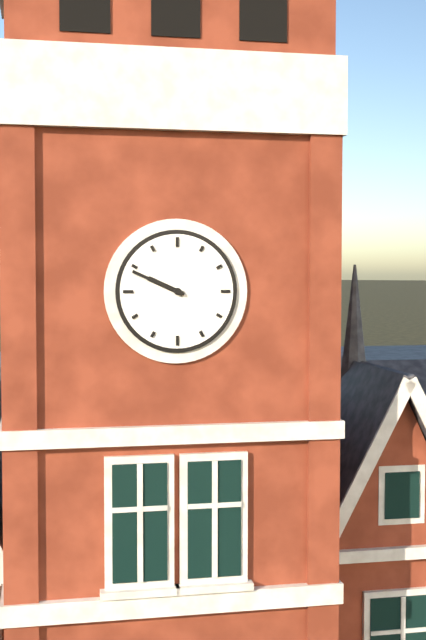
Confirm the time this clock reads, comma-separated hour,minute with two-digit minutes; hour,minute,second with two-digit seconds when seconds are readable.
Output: 9,49
